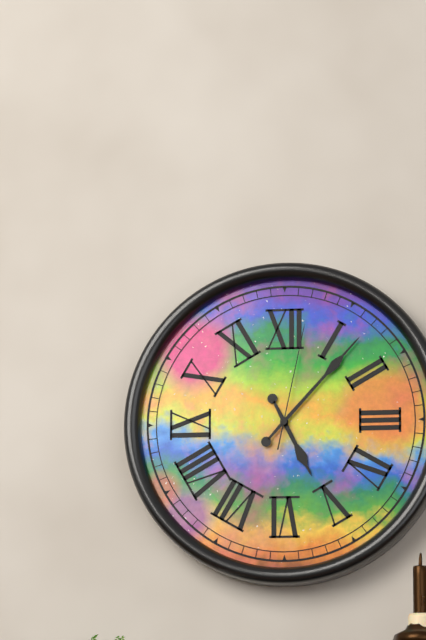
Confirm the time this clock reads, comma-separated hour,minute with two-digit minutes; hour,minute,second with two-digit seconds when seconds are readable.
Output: 5,07,02
